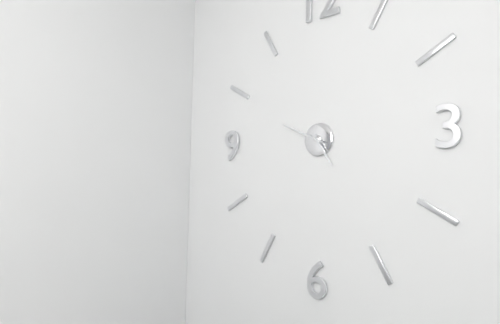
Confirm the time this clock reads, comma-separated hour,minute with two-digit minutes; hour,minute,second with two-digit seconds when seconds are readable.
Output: 4,49
